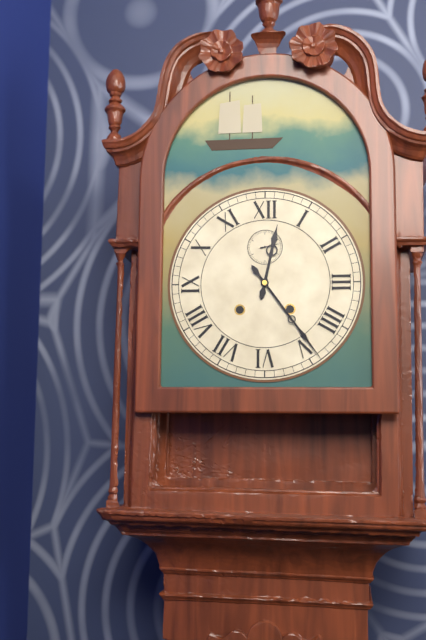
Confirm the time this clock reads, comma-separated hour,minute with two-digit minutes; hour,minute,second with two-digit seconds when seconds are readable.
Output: 12,24
